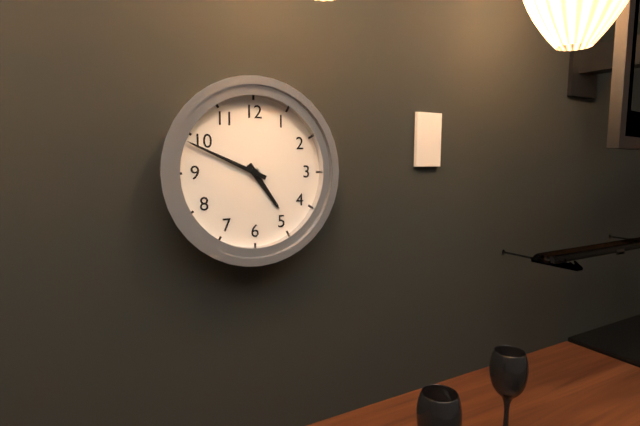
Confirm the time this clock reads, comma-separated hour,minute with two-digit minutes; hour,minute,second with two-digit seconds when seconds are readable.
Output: 4,49
